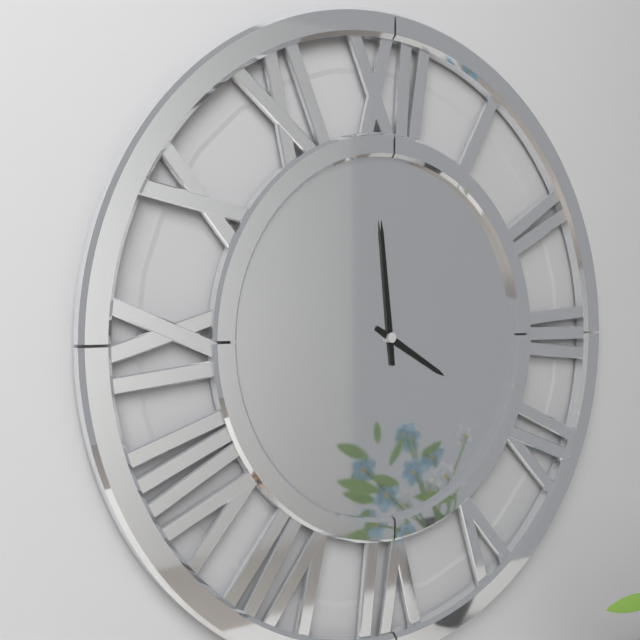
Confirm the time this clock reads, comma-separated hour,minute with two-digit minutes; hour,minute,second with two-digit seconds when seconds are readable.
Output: 3,59
